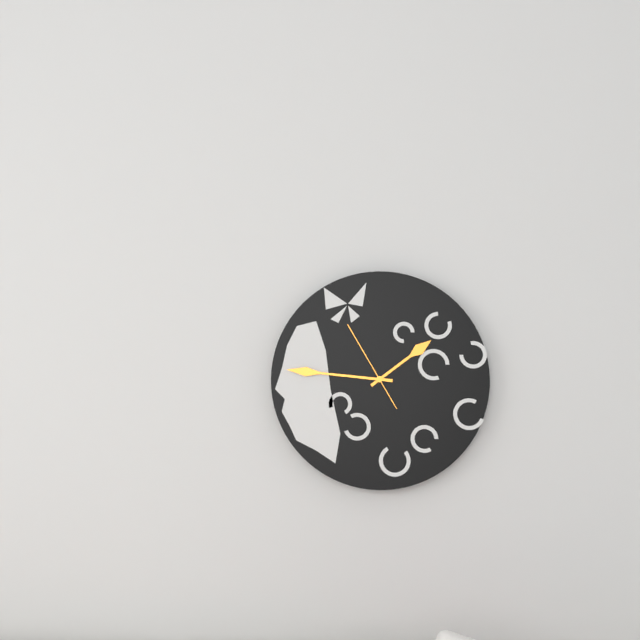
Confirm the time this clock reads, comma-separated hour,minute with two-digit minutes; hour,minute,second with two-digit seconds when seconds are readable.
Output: 1,46,55
